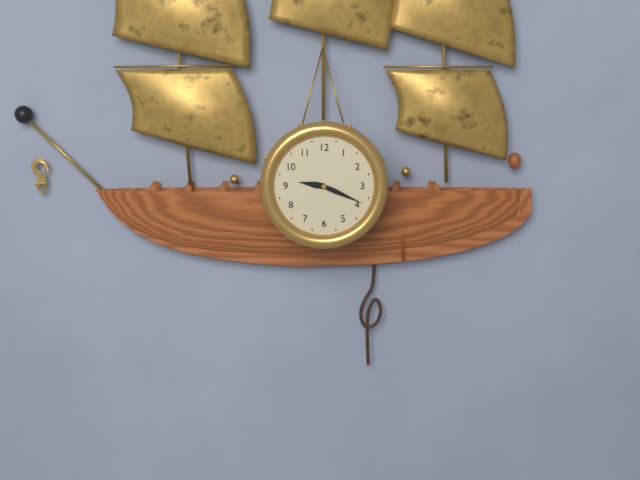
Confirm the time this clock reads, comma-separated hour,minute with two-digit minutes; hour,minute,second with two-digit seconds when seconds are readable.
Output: 9,19
